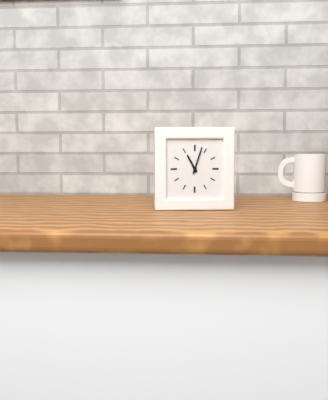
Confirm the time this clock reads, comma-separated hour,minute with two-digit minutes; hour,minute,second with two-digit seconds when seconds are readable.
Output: 11,03
